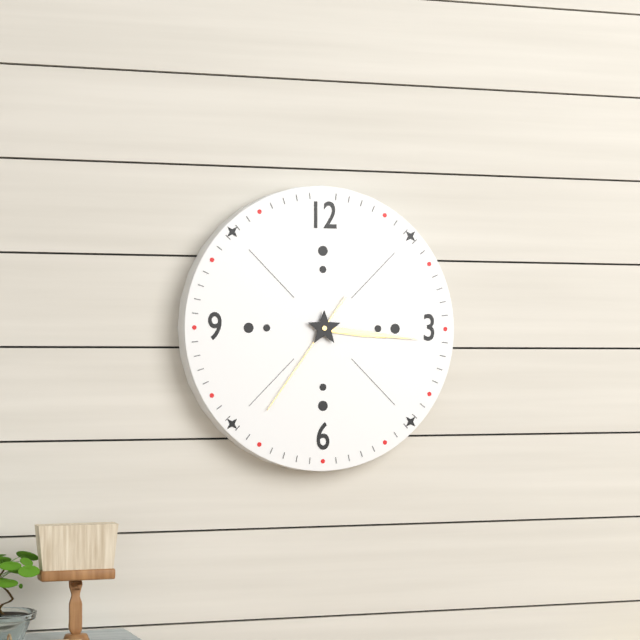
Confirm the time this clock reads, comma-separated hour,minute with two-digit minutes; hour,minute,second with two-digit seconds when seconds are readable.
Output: 3,16,36
